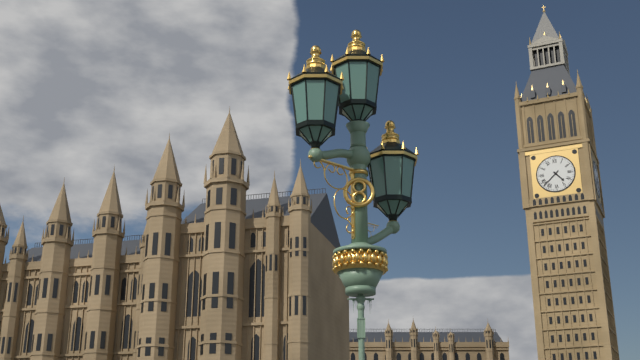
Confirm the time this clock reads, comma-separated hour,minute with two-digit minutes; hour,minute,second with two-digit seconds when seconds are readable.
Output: 4,38
